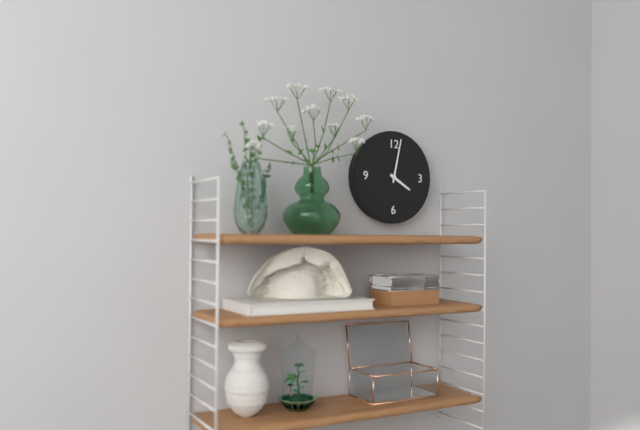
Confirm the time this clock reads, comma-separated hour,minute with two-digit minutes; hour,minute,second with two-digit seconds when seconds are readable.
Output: 4,02
